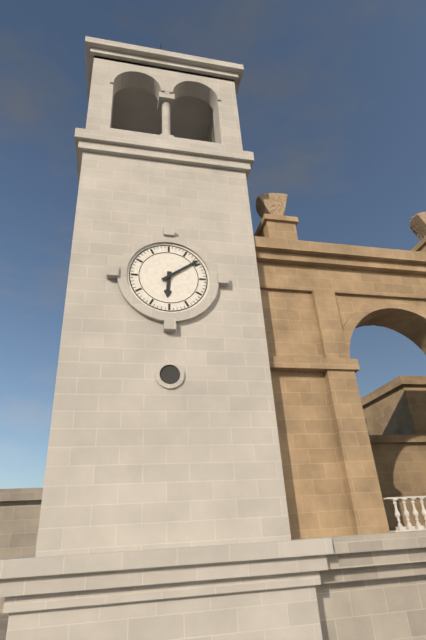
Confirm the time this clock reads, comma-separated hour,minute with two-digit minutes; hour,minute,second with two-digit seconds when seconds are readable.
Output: 6,09
